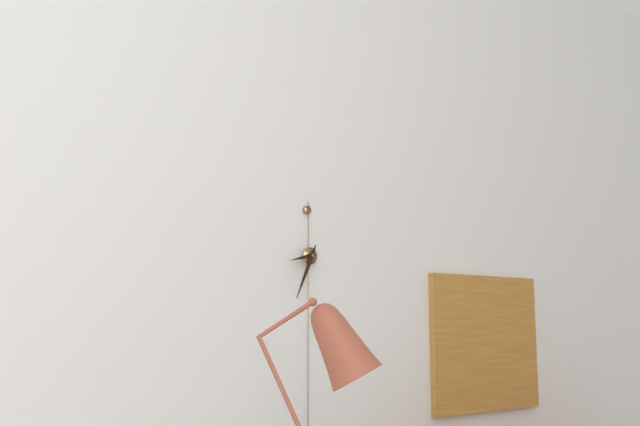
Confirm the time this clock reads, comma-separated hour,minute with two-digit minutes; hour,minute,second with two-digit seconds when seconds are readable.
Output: 8,34
